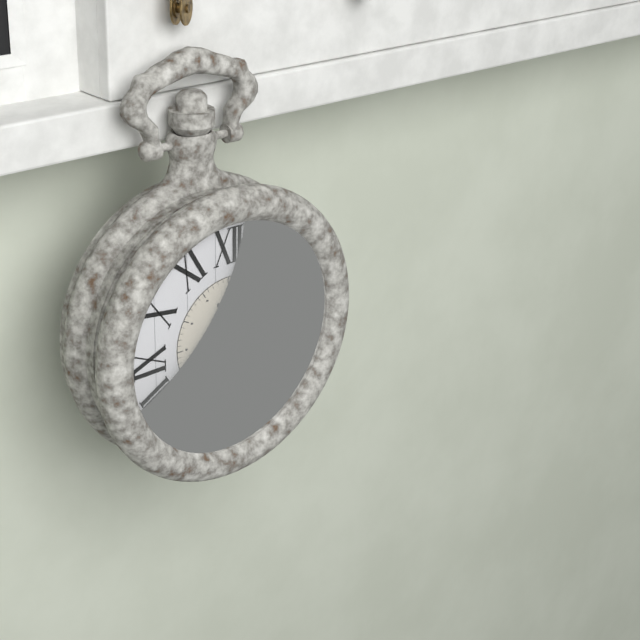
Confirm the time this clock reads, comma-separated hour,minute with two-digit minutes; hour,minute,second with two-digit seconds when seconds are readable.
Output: 1,33
